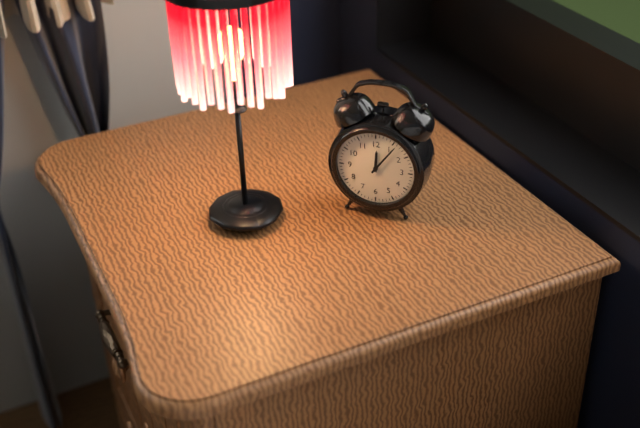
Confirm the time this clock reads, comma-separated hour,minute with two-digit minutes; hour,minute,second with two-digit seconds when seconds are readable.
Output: 12,06
